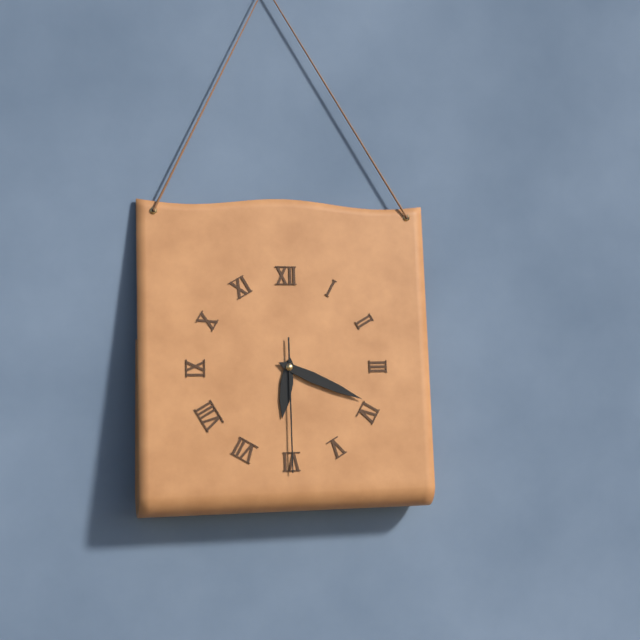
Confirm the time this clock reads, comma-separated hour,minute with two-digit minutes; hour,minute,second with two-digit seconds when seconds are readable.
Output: 6,19,30
